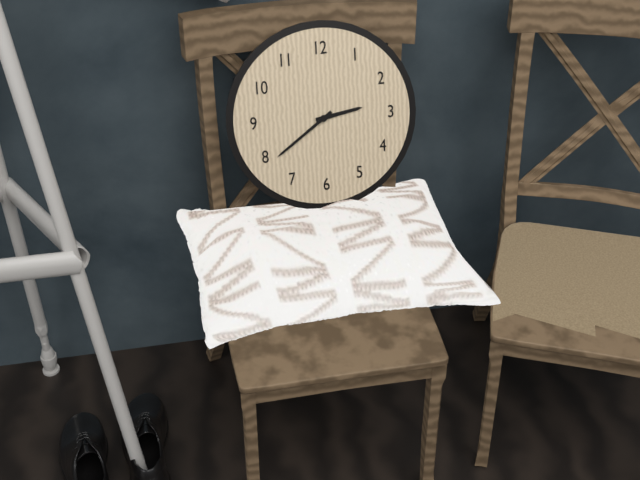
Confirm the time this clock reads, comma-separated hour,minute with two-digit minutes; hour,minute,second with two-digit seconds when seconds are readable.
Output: 2,39
